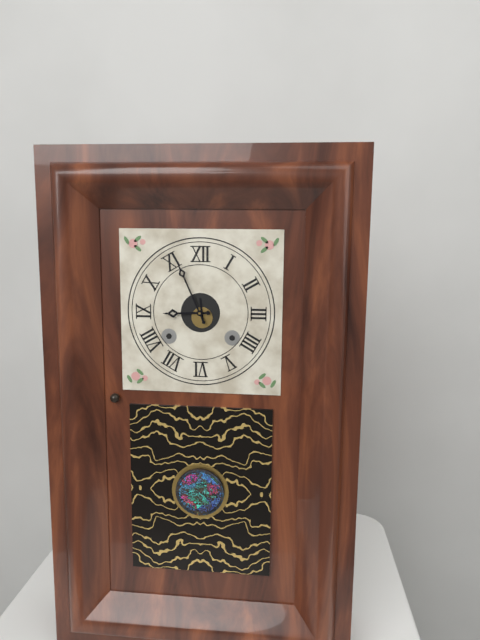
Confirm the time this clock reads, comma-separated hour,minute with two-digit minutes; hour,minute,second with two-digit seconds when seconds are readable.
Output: 8,56
